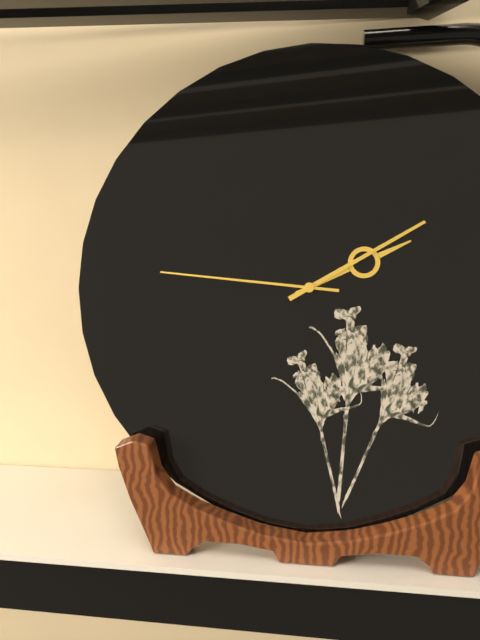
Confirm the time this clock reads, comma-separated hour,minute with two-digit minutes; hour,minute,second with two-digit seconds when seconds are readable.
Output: 2,10,46
